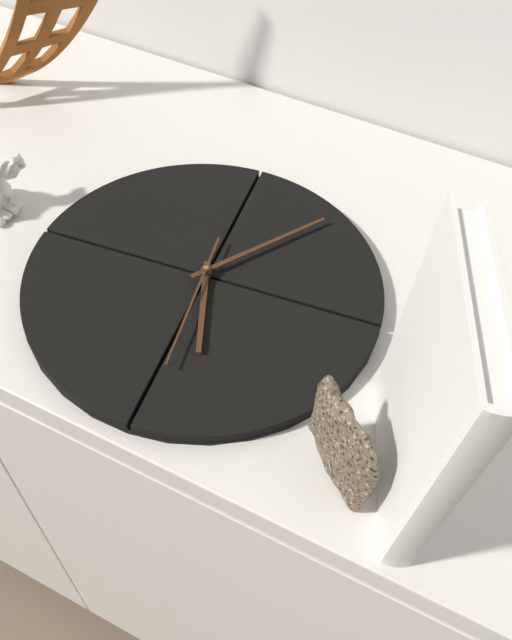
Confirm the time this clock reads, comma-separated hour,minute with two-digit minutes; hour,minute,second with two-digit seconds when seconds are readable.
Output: 6,10,33
